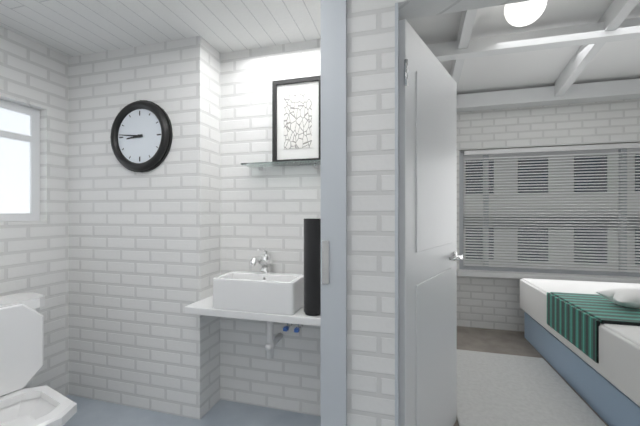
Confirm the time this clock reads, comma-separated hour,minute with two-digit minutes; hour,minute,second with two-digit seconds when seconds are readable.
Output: 8,46
